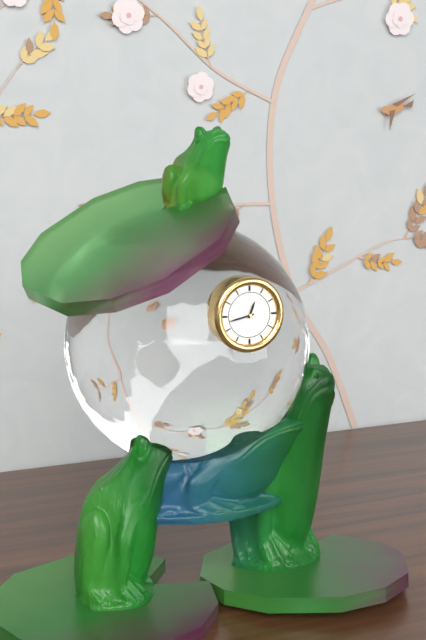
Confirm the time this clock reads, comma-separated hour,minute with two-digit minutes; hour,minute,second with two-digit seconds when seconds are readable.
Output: 12,43
